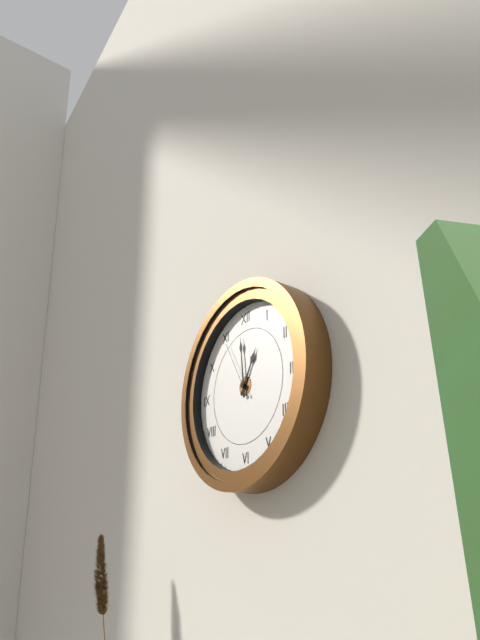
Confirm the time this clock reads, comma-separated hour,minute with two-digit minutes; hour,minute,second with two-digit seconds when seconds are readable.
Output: 12,59,55
